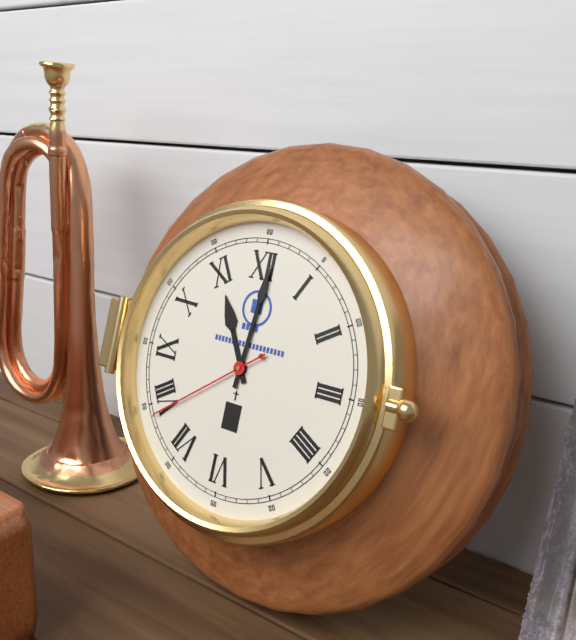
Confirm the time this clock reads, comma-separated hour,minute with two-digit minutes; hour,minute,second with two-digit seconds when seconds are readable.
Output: 11,01,39
